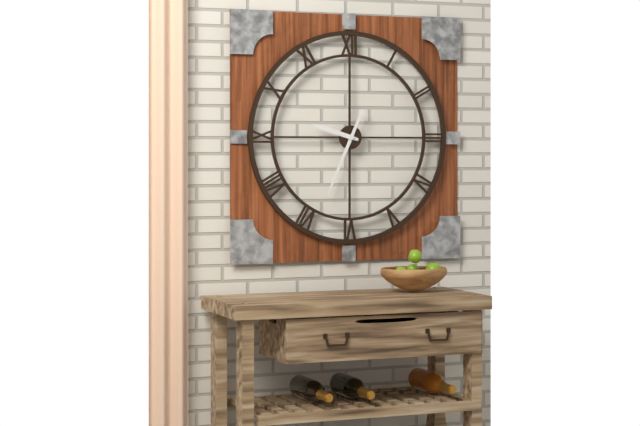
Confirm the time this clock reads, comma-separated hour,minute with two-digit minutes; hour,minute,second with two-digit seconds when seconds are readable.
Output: 9,34
